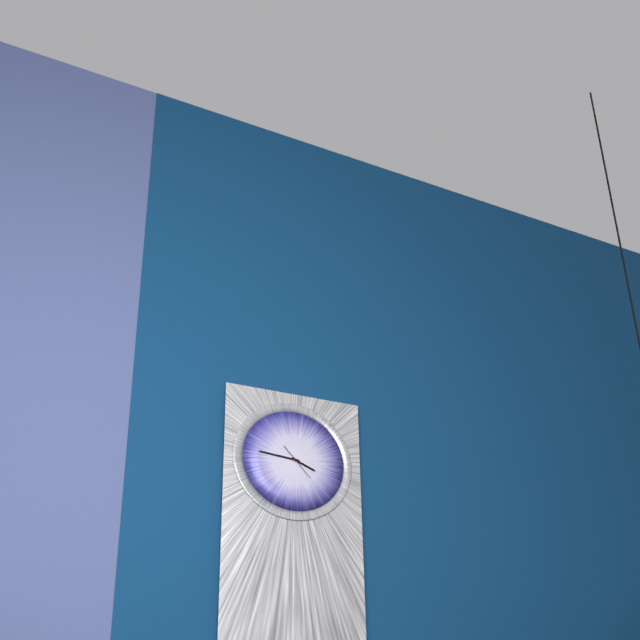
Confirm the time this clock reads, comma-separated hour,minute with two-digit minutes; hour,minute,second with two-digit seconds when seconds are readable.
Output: 3,46
